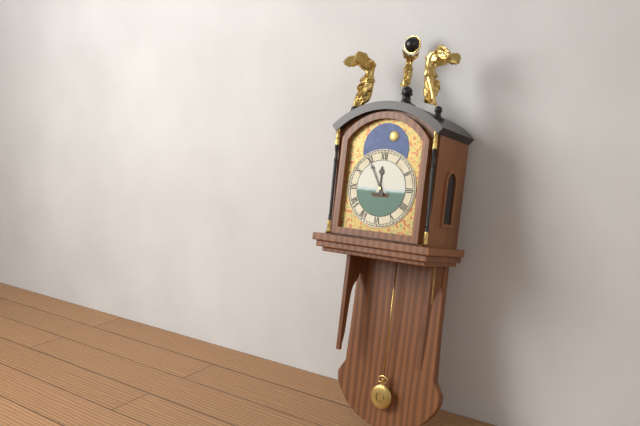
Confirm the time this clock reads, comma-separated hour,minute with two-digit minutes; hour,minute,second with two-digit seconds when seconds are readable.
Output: 11,55
